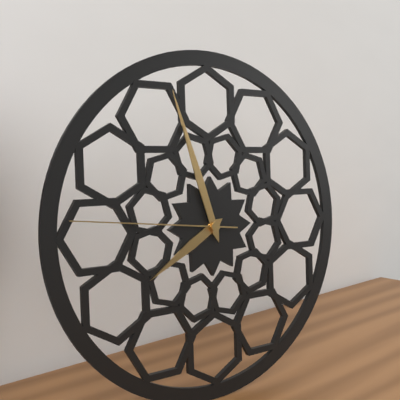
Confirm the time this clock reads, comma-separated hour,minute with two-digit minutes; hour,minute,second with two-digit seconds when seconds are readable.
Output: 7,57,46
